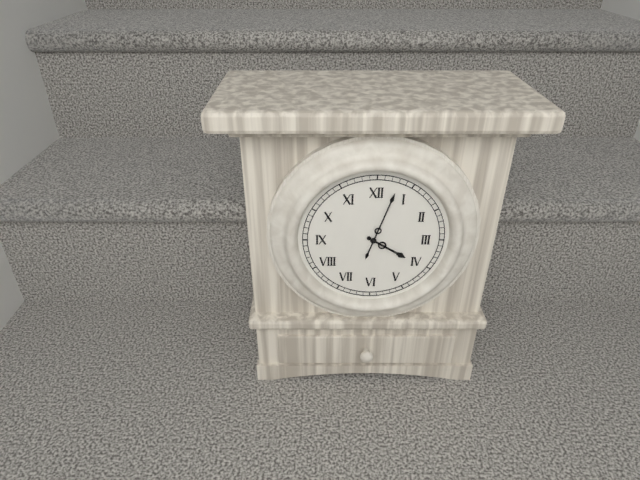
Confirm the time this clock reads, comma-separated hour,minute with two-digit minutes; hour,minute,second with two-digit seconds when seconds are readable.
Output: 4,03
